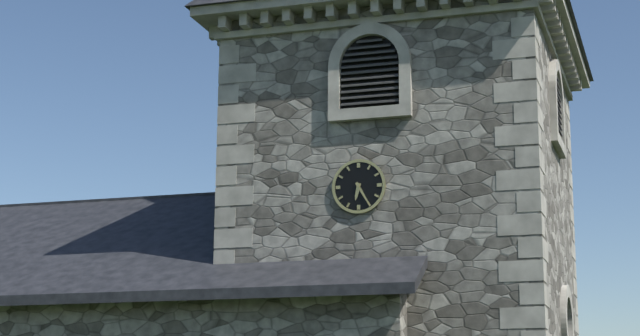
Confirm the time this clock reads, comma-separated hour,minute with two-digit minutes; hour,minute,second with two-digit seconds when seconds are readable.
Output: 6,25
